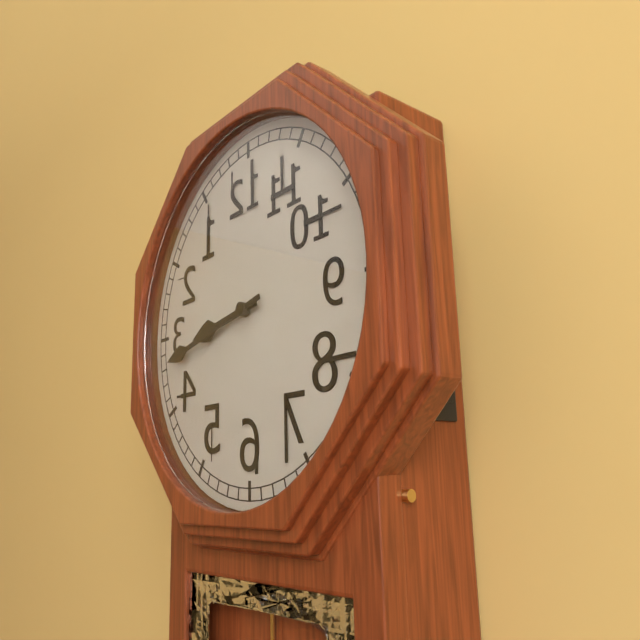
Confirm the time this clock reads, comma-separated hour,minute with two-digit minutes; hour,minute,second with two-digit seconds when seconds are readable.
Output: 8,43
